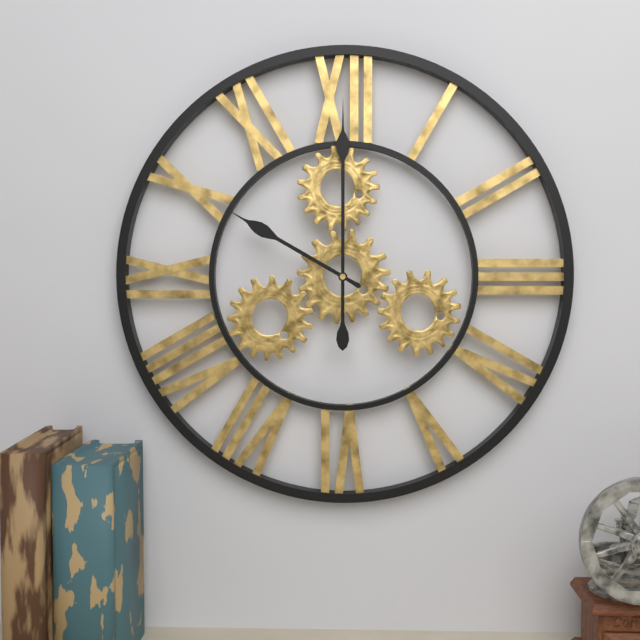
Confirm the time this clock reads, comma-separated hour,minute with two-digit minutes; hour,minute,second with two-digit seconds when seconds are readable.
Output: 10,00
